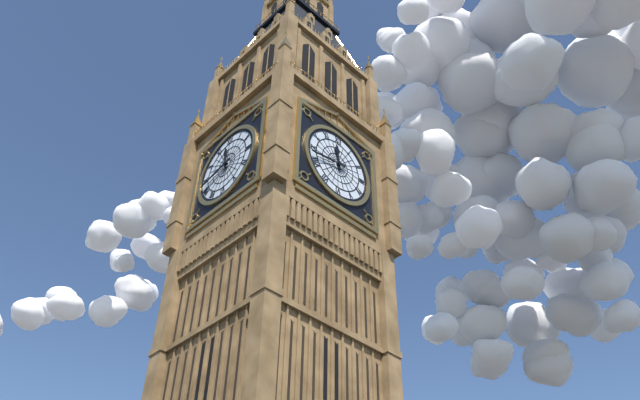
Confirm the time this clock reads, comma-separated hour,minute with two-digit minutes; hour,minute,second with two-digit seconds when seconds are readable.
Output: 11,43
